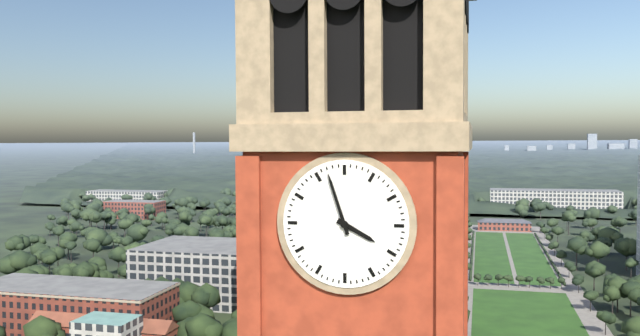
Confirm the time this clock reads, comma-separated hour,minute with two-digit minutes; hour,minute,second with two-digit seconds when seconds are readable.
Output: 3,57
